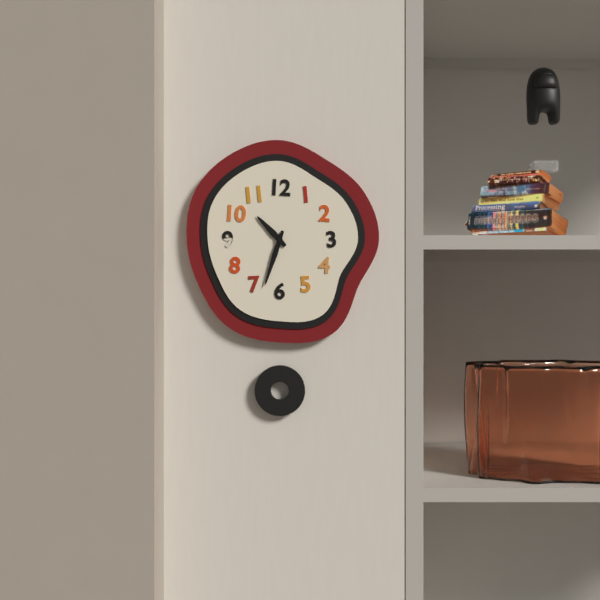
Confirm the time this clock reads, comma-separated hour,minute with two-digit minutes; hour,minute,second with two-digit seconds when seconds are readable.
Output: 10,33
